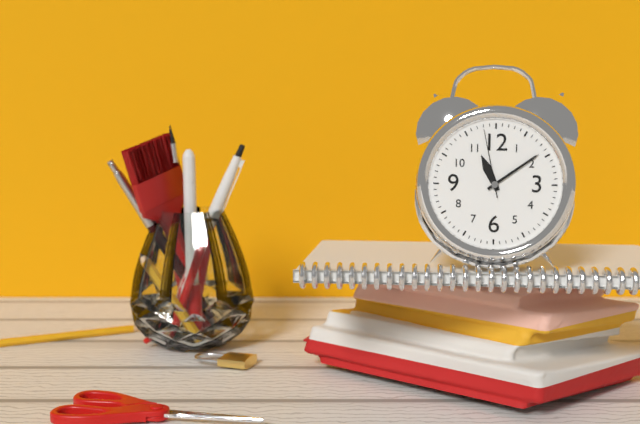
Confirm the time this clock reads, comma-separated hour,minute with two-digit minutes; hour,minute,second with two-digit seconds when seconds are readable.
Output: 11,09,58
